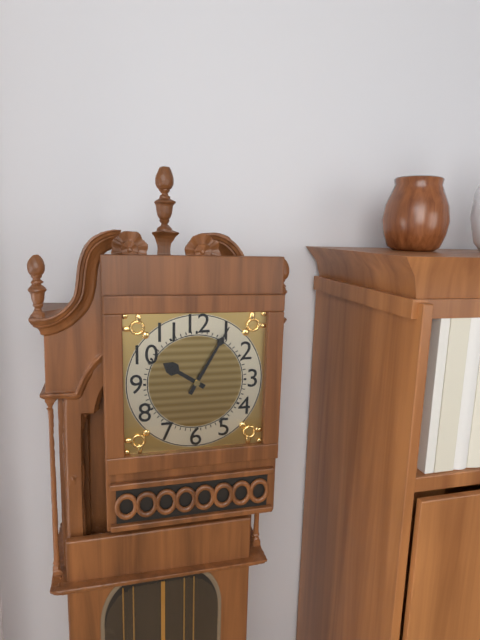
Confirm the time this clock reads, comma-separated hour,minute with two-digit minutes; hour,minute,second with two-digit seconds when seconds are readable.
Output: 10,05
